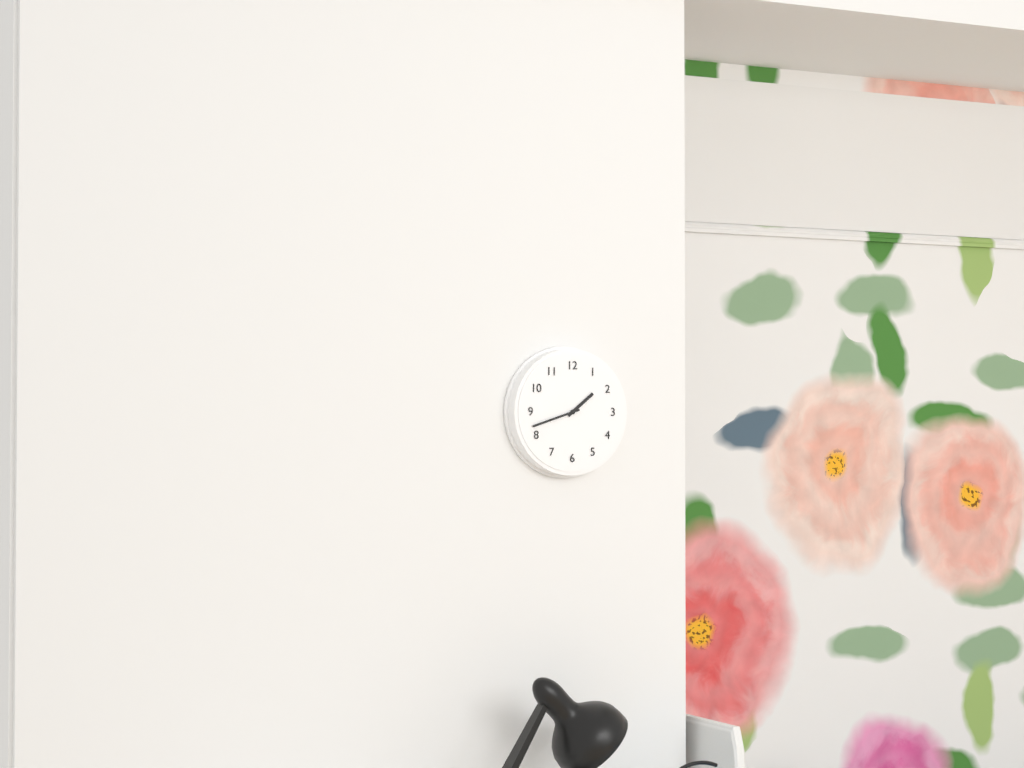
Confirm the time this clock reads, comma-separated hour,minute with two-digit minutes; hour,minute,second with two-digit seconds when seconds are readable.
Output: 1,42
